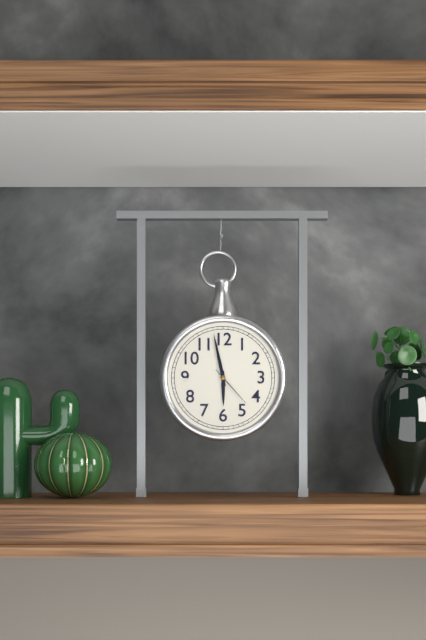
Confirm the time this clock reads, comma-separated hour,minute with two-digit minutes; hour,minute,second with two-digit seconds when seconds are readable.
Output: 5,58
